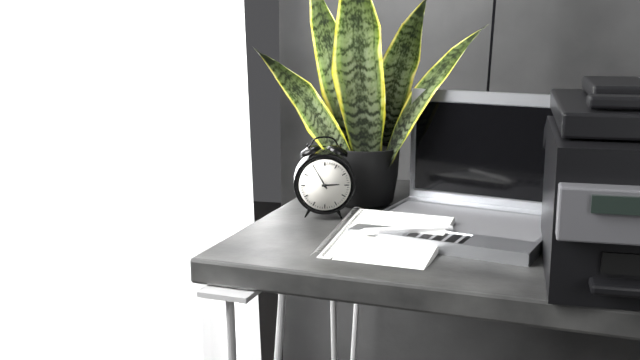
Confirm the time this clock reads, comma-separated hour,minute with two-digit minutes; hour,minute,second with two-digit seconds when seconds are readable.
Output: 2,55
